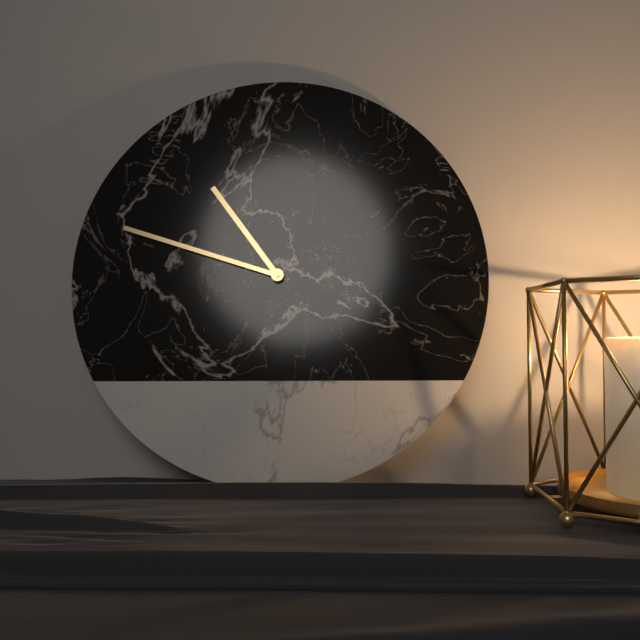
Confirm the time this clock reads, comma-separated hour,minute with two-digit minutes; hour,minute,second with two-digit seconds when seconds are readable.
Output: 10,48
